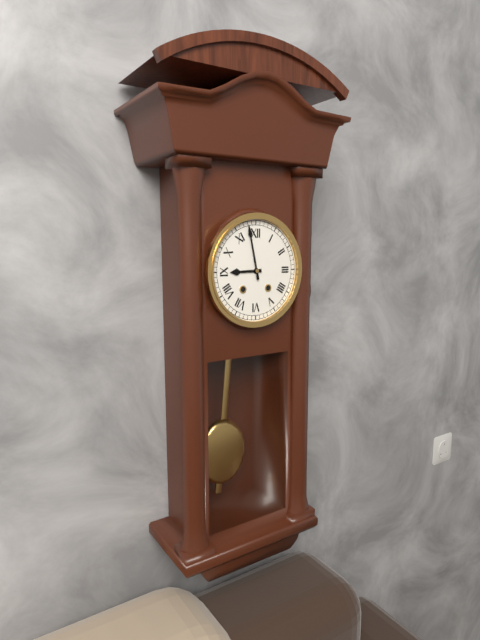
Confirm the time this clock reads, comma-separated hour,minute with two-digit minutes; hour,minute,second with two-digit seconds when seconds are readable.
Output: 8,58
